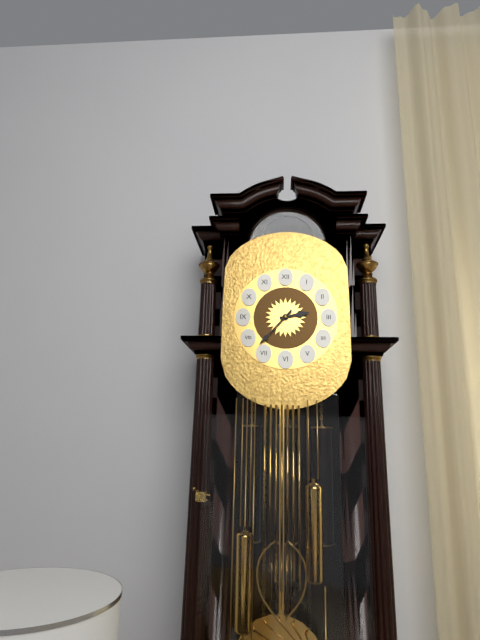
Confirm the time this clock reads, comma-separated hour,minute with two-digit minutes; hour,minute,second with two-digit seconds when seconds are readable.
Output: 2,37
